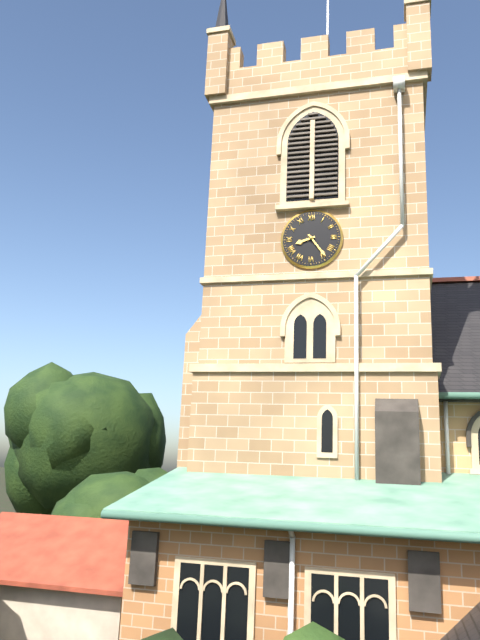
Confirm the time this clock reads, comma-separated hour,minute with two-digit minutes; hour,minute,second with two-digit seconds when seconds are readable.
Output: 8,24
